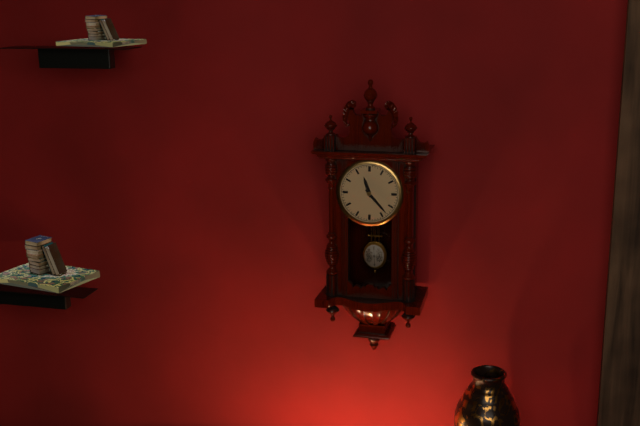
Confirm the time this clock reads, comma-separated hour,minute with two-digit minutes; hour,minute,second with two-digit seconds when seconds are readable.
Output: 11,23
